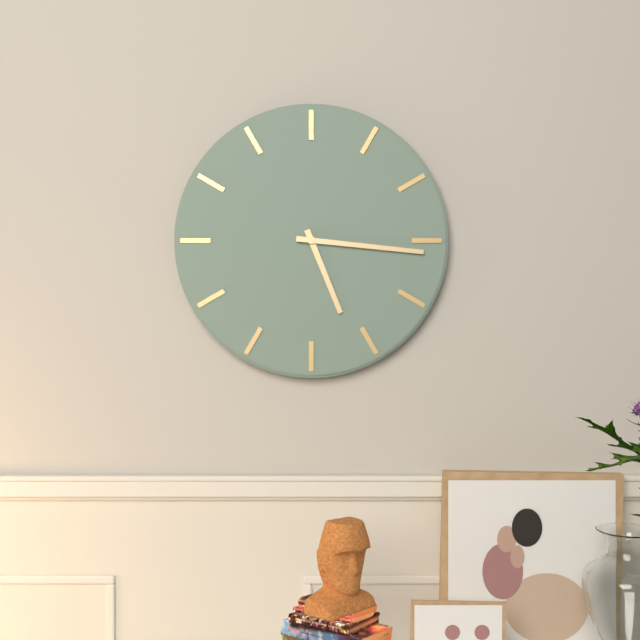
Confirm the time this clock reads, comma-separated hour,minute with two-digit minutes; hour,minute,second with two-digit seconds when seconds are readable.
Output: 5,16
